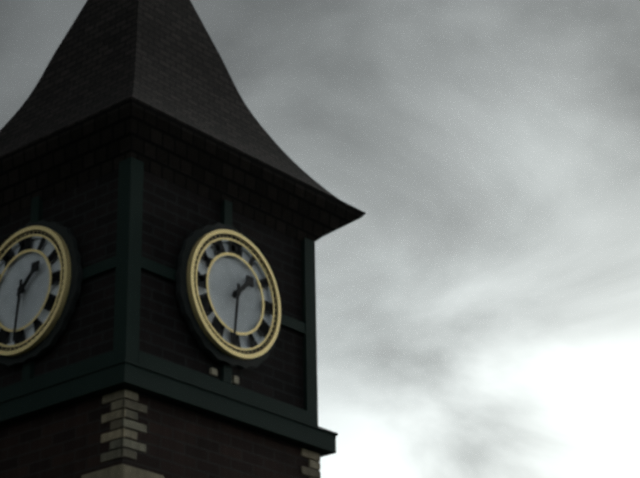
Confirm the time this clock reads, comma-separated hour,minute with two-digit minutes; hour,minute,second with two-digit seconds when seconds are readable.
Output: 1,31
